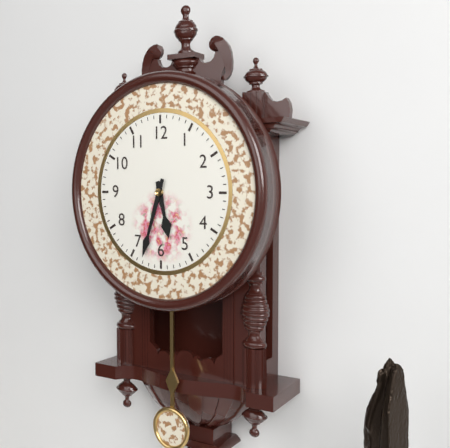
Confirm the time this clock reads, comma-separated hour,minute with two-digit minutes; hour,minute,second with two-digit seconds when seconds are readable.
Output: 5,33
